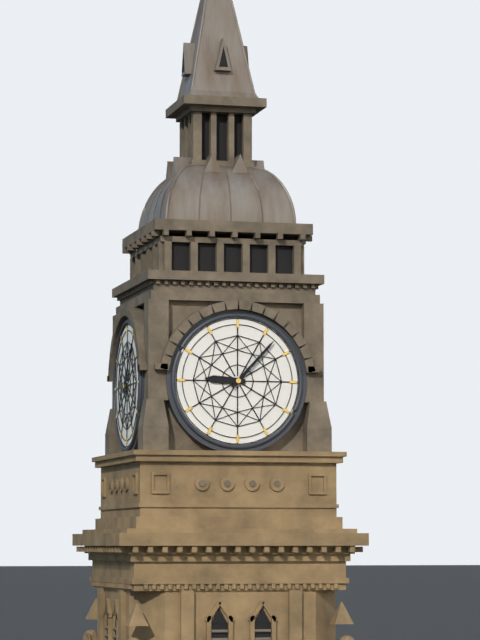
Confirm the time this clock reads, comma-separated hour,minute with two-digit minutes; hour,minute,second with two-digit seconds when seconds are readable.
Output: 9,07
